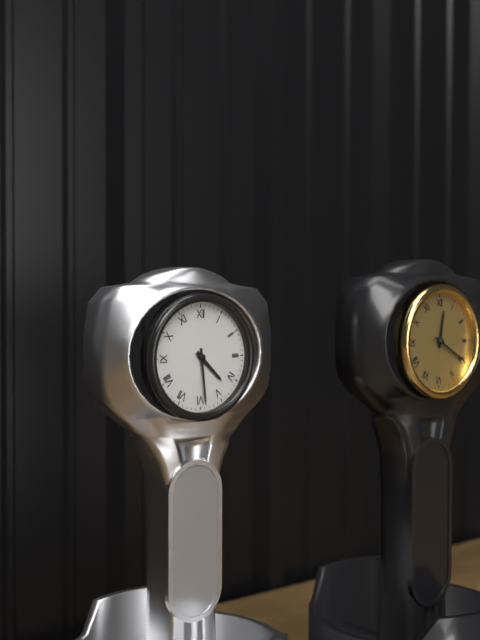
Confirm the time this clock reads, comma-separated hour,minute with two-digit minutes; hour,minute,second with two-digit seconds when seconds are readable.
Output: 4,29
